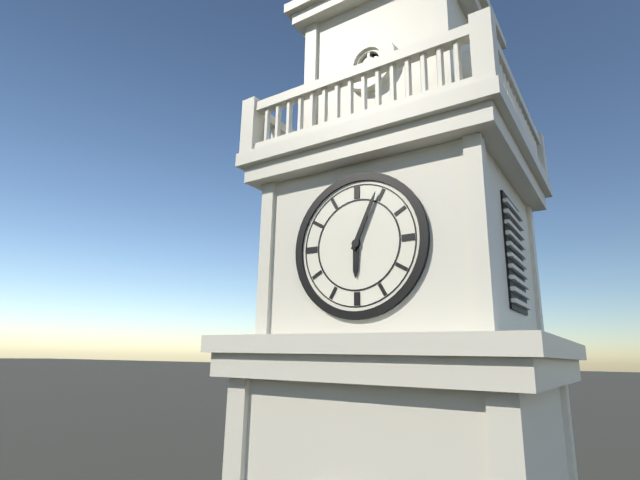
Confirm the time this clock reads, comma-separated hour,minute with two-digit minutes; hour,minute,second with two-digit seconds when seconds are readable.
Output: 6,04
